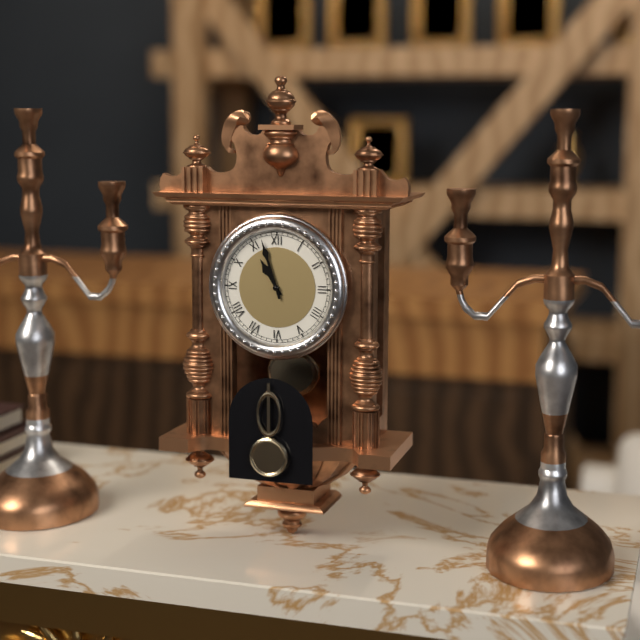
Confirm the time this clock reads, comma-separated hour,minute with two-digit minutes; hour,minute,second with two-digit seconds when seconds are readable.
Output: 10,57
